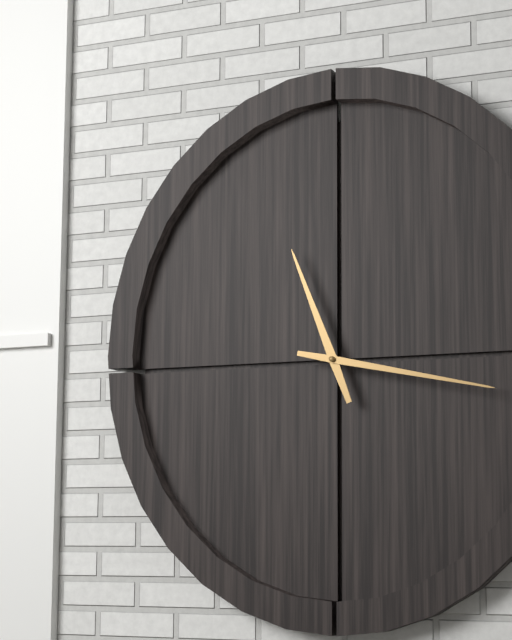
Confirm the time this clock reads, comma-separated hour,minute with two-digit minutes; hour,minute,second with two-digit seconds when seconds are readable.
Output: 11,17
